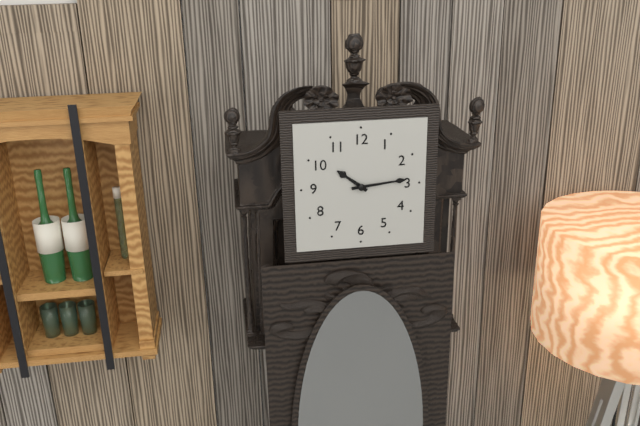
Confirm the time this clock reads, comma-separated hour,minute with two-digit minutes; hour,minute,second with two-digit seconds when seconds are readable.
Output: 10,14
